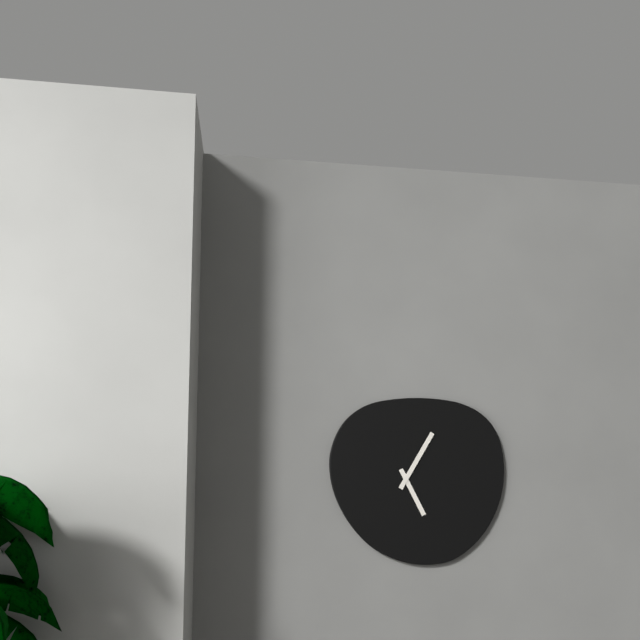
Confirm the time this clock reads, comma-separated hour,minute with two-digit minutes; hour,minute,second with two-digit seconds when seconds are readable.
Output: 5,05
